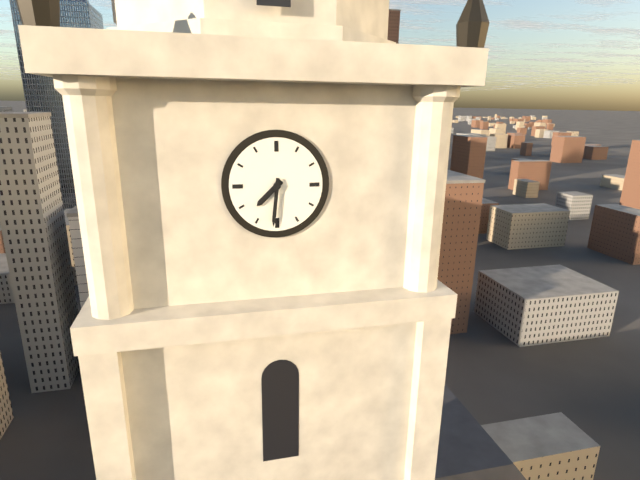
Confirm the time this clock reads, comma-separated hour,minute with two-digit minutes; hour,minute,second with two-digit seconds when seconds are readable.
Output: 7,31
